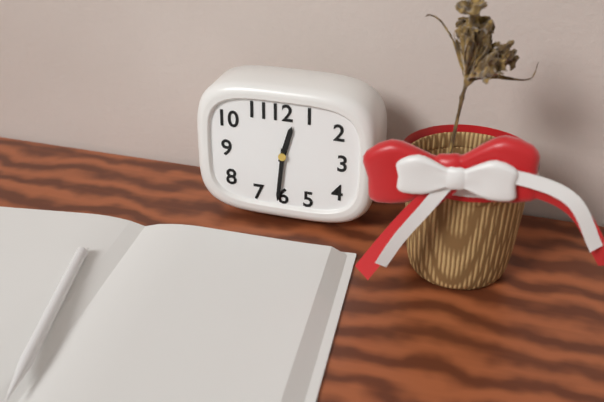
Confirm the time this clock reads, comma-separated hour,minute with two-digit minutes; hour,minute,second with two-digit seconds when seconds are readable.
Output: 12,31
